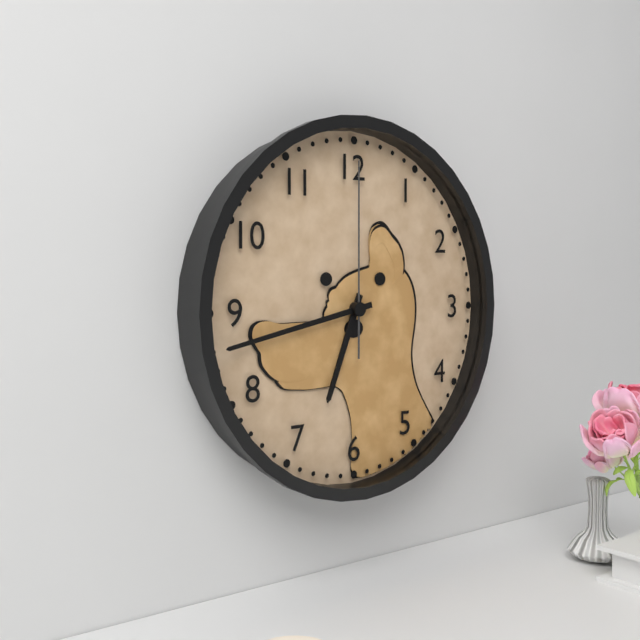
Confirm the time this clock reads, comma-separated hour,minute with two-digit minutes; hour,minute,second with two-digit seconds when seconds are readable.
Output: 6,43,00
